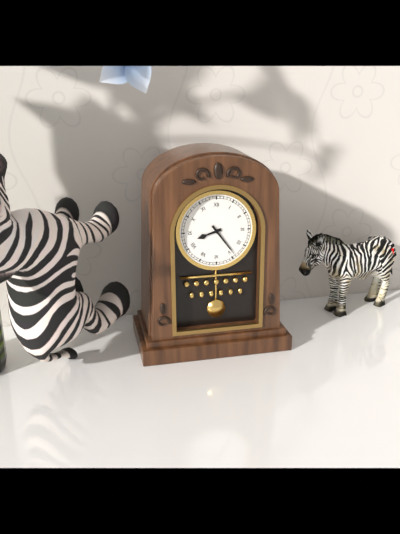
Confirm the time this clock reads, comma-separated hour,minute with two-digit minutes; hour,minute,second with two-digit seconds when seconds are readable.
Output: 8,24
